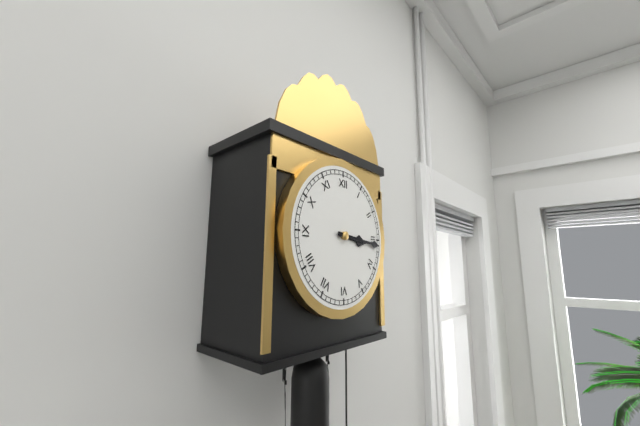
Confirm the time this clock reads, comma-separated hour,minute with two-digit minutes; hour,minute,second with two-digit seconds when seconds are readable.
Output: 3,16
